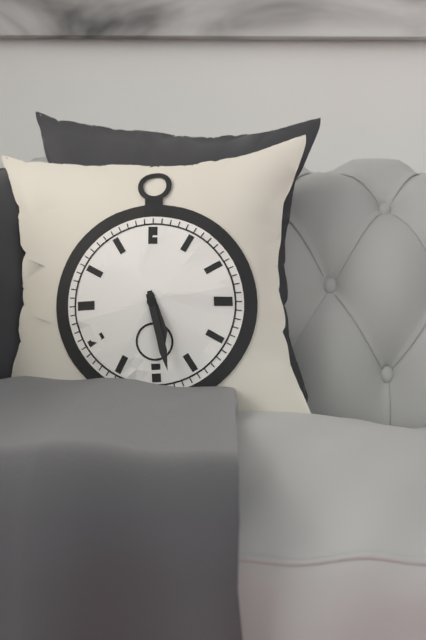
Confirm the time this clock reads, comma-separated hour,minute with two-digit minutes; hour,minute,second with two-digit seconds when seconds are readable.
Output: 5,28
